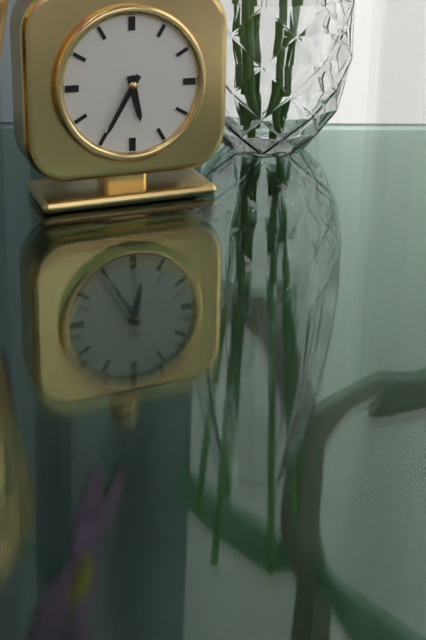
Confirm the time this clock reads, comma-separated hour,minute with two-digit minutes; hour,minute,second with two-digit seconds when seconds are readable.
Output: 5,35
